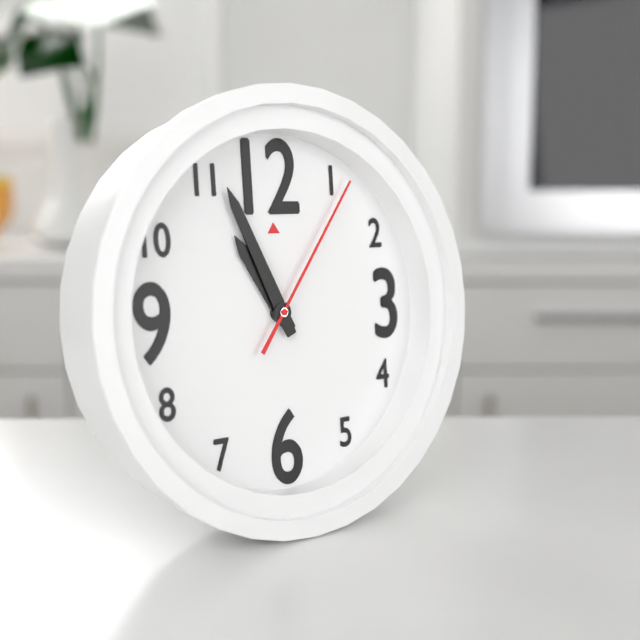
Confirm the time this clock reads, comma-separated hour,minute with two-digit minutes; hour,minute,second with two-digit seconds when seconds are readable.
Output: 10,56,06
